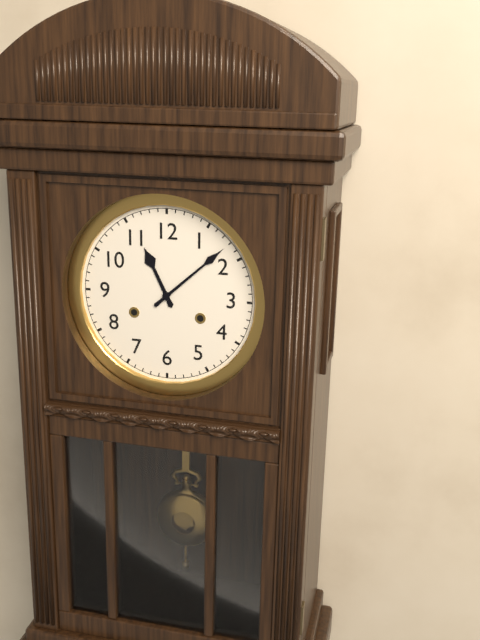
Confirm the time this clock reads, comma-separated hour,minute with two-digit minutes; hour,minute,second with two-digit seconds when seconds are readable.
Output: 11,08
